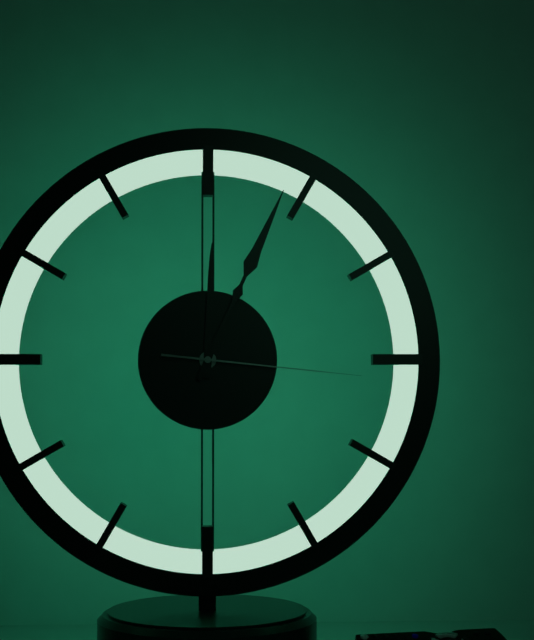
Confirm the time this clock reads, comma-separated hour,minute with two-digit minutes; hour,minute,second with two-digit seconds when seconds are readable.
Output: 12,04,16
